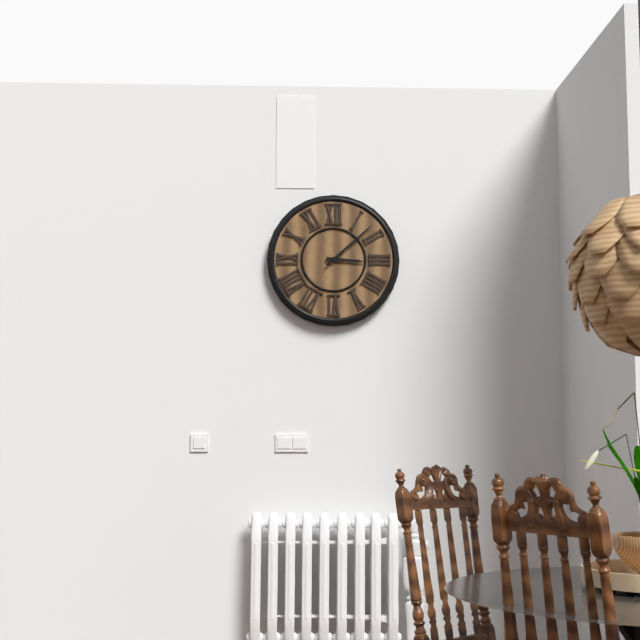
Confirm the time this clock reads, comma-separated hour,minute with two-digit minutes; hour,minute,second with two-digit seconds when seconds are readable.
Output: 3,08
